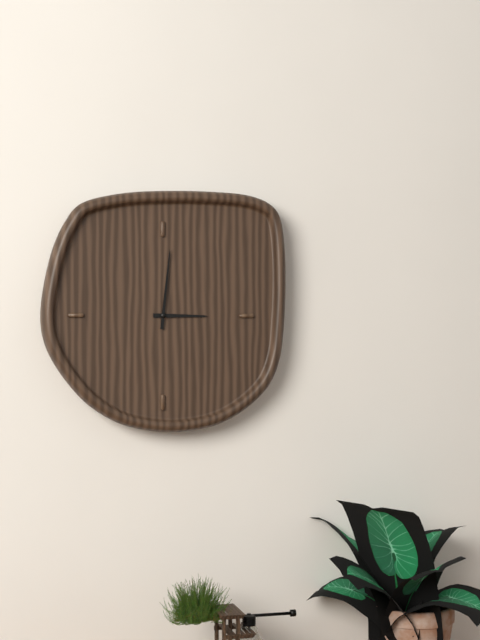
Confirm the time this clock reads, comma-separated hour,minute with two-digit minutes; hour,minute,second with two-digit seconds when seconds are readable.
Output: 3,01
